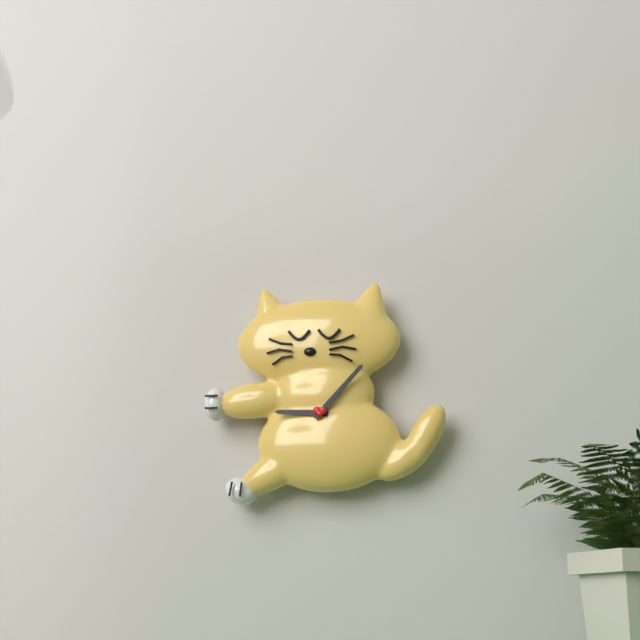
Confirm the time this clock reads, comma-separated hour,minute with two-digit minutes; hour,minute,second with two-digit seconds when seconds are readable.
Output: 9,07
